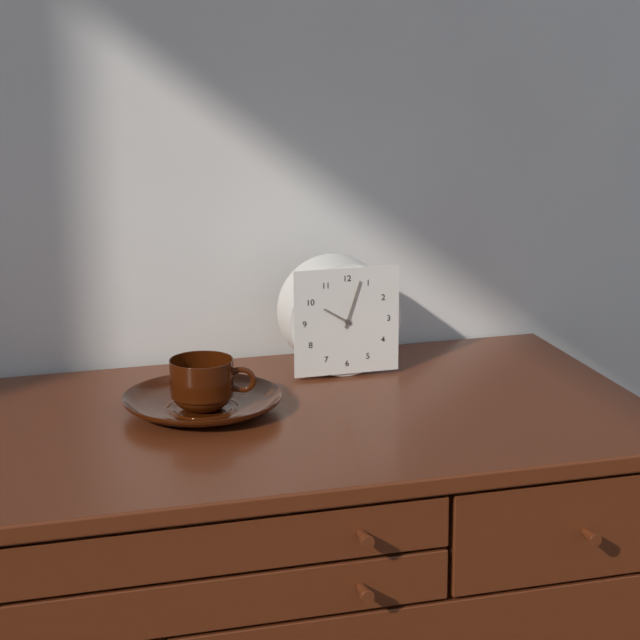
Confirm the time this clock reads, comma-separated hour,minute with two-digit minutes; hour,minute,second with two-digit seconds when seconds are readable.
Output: 10,03
